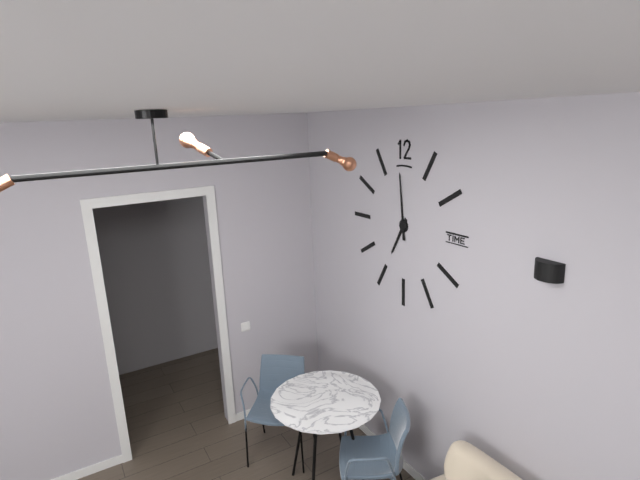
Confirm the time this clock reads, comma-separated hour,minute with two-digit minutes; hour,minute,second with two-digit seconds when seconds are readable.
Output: 6,59
